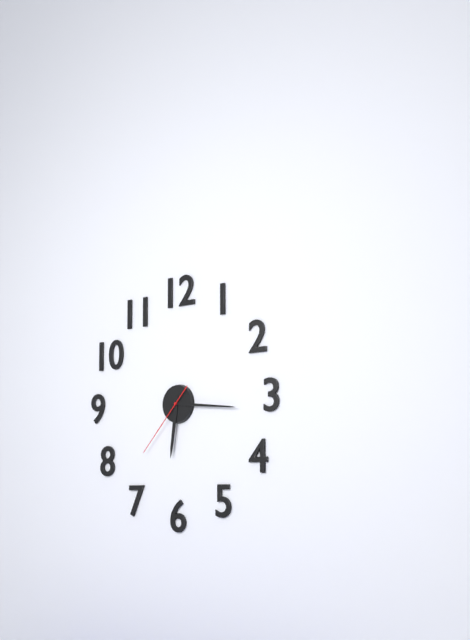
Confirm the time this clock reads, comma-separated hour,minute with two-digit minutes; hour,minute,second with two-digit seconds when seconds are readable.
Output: 6,16,37
